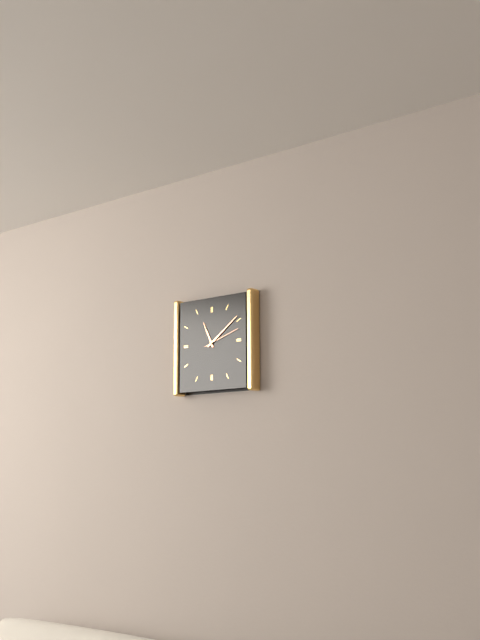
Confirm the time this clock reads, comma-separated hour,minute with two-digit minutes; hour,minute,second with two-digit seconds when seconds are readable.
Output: 11,09
